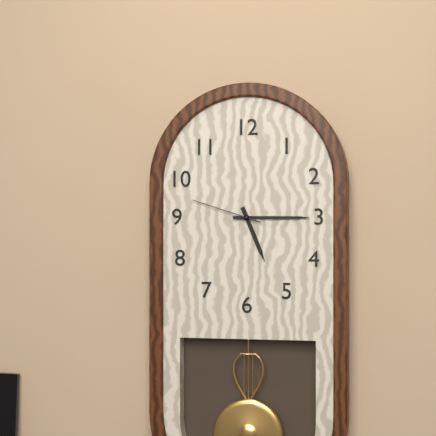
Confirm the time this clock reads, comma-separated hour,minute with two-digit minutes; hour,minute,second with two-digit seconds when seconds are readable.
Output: 5,15,48
